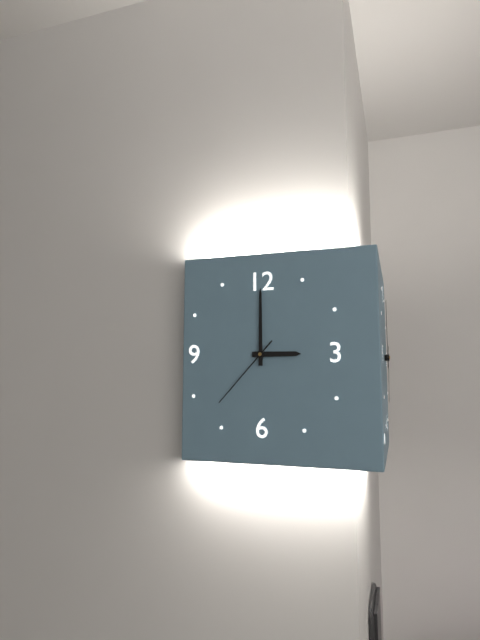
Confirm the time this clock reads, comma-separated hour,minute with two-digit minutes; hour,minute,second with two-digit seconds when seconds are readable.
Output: 3,00,37
